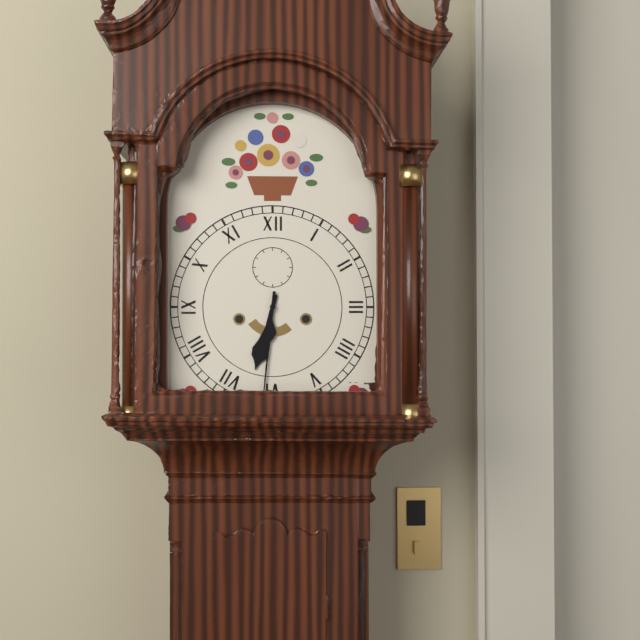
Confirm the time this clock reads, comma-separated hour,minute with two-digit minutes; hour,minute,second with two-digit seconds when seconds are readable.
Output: 6,31
